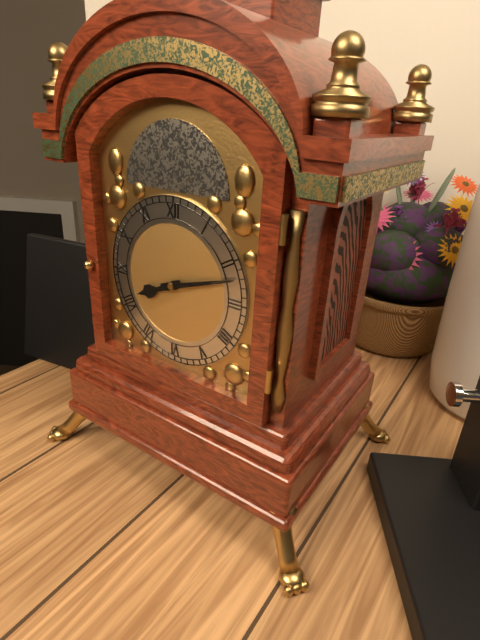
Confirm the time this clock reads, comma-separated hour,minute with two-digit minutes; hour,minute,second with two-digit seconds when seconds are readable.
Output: 8,12
